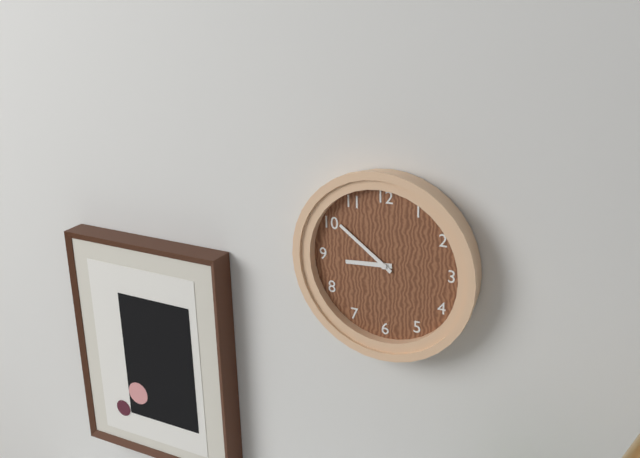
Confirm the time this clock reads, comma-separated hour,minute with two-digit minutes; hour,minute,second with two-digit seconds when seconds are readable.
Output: 8,51
